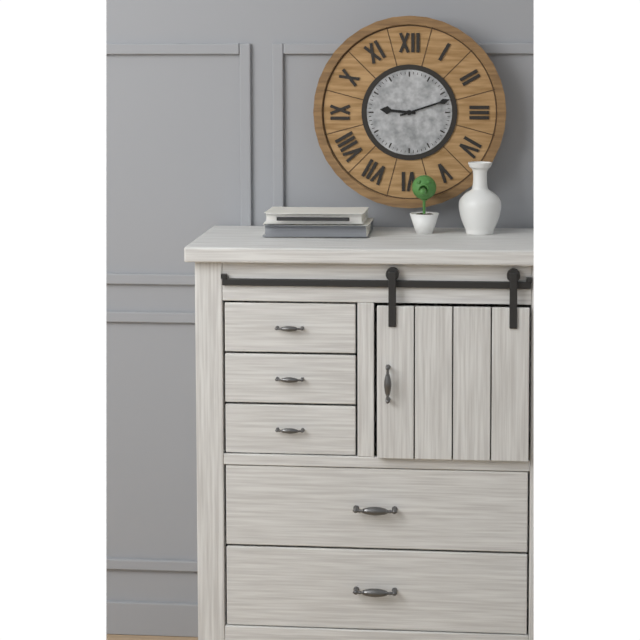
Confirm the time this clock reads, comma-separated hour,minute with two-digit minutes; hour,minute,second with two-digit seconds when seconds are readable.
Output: 9,12
